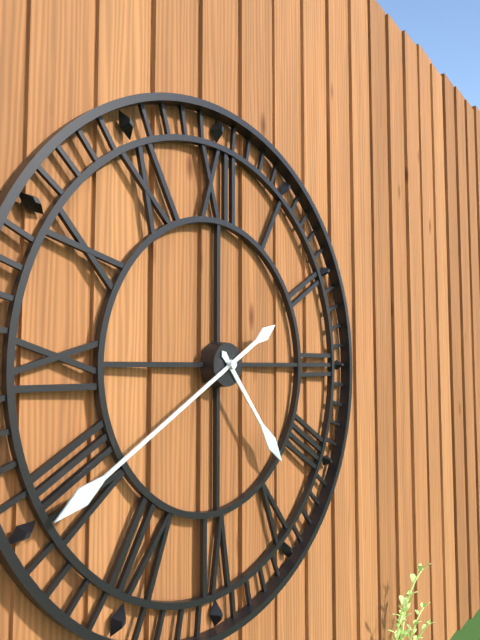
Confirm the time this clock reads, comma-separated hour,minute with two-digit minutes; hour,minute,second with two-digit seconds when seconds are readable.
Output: 4,40
